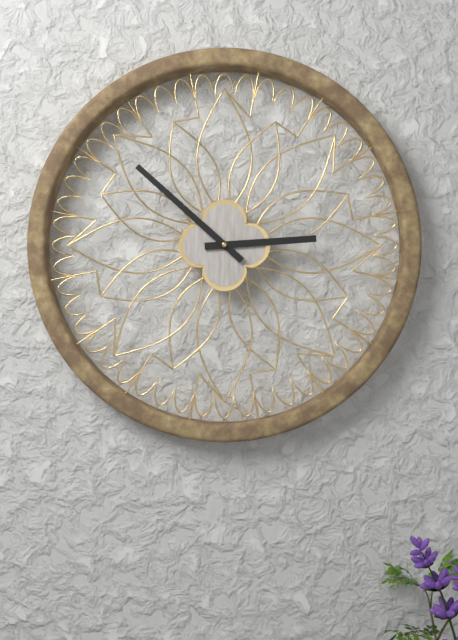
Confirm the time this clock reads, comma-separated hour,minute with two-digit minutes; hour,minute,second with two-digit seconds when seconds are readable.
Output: 2,52
